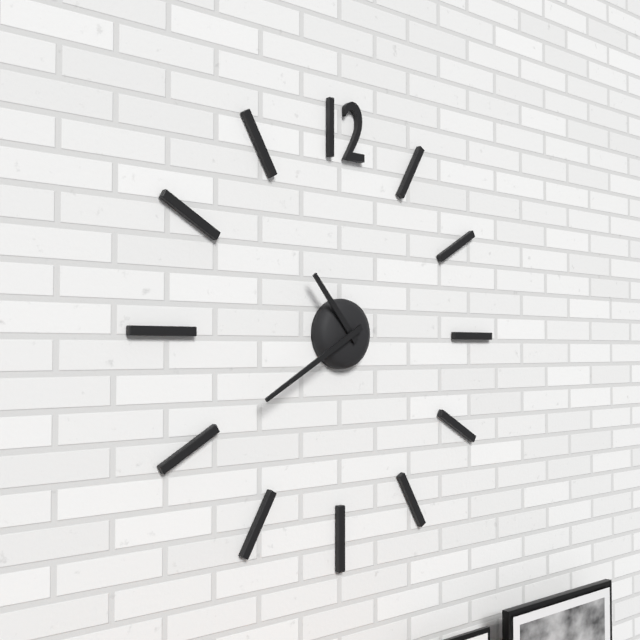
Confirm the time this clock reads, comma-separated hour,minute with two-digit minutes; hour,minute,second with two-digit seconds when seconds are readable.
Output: 10,40
